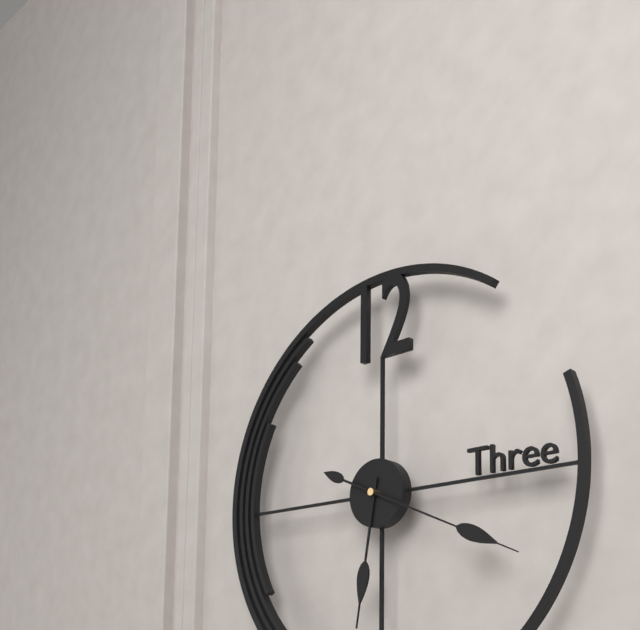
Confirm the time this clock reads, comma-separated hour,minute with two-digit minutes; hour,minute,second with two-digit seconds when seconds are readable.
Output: 6,19
